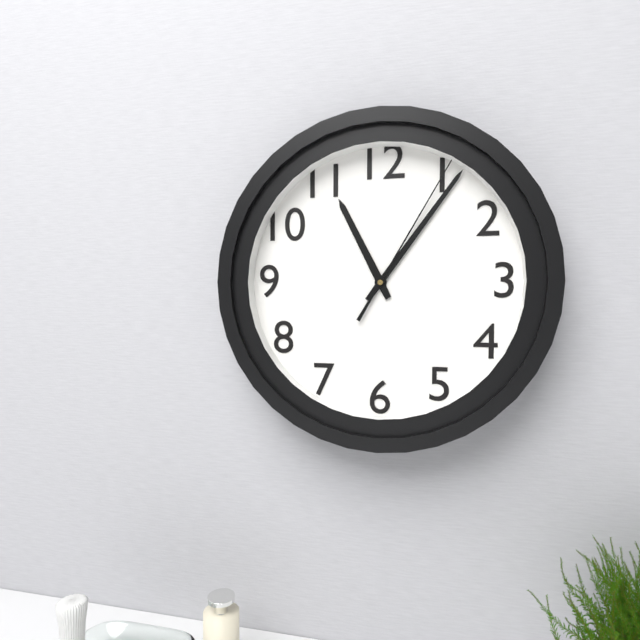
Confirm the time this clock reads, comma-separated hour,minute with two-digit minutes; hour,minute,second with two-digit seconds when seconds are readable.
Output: 11,06,05
